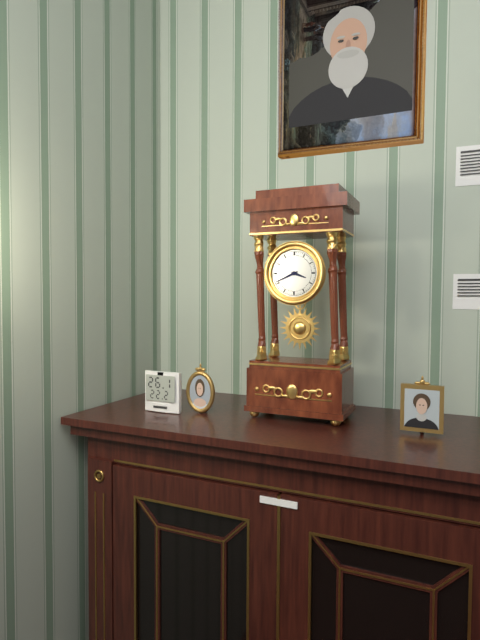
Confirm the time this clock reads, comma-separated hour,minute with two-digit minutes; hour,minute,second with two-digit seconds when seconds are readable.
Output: 3,41
